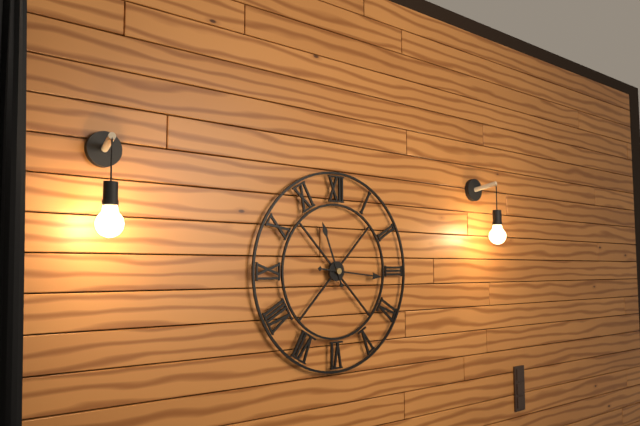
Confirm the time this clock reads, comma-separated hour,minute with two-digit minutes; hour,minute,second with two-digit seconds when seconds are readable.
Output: 11,16
